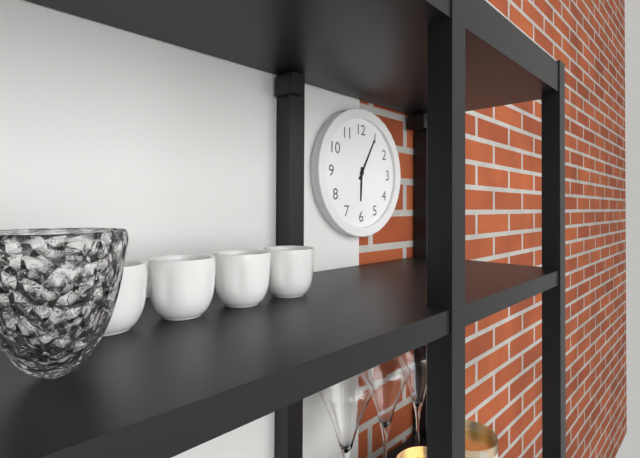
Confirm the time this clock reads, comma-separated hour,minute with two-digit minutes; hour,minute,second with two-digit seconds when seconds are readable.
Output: 6,05
